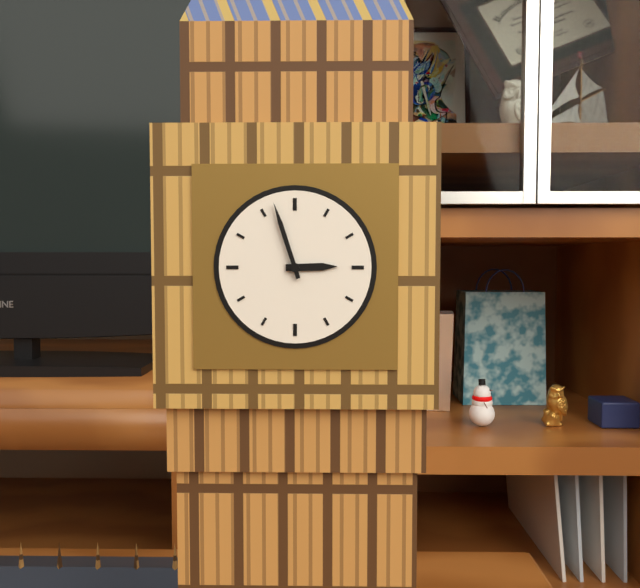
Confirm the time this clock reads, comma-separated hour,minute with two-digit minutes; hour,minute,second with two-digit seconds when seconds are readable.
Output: 2,57
